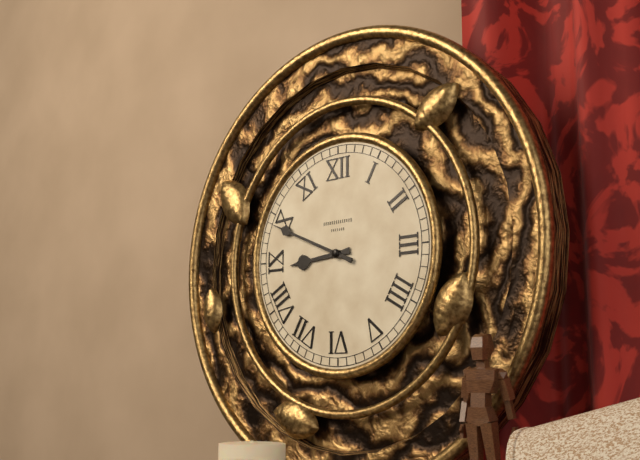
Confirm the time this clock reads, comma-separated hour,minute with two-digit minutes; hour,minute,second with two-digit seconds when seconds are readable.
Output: 8,49
